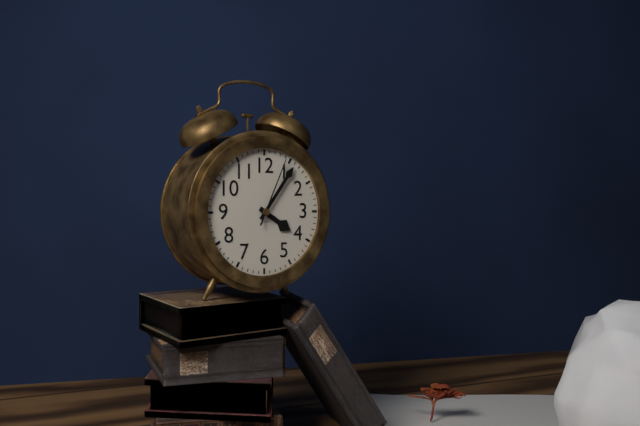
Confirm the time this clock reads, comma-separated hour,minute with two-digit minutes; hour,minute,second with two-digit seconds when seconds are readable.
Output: 4,06,04
